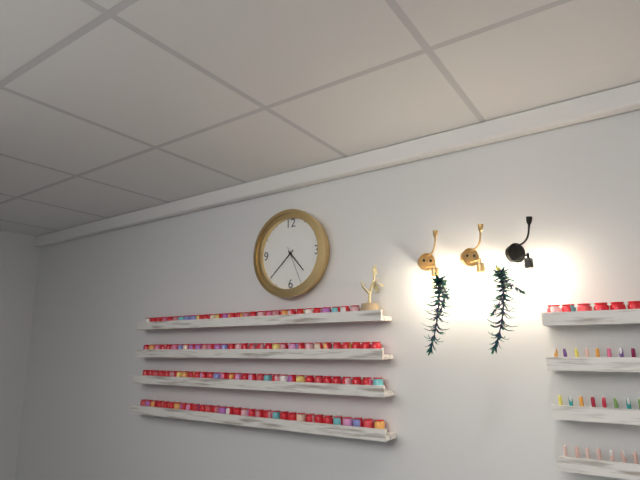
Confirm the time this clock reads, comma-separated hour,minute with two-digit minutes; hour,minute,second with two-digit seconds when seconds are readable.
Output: 4,38
